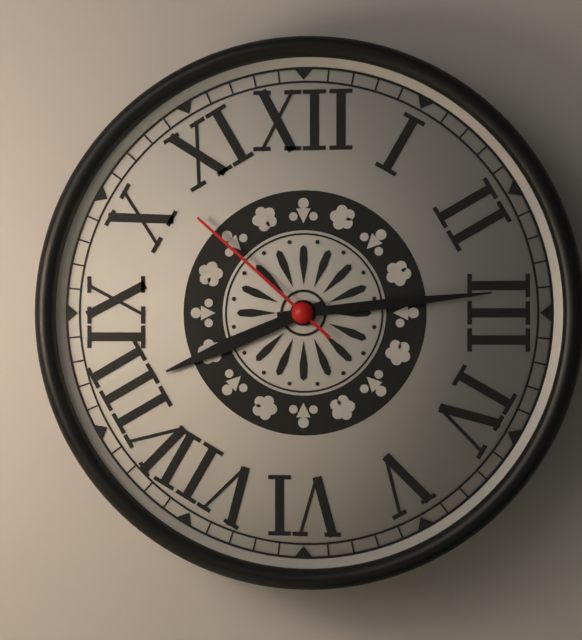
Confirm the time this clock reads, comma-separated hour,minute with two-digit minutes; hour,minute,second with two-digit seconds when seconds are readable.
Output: 8,14,52
